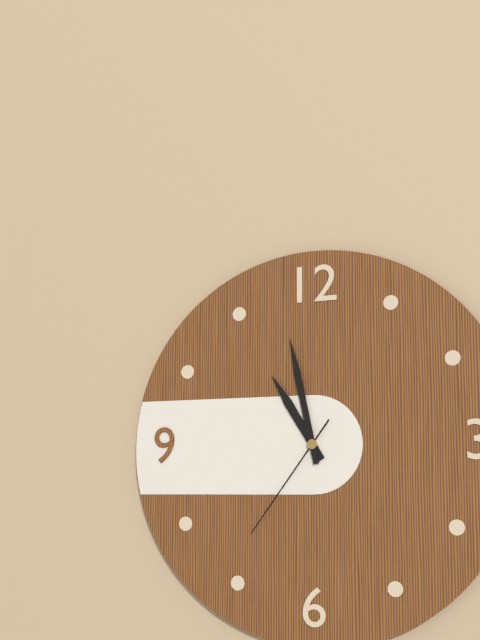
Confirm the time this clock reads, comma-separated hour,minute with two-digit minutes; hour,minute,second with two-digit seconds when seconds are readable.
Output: 10,58,36
